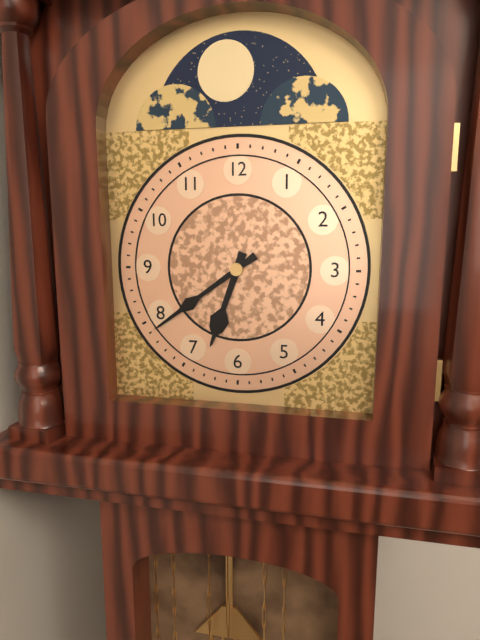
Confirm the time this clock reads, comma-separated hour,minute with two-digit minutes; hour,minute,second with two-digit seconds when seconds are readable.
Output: 6,39
